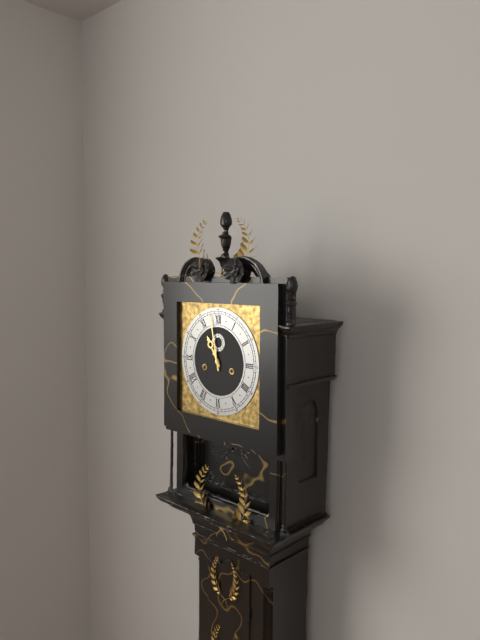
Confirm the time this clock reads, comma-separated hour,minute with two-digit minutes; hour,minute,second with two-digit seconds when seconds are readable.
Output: 10,58
